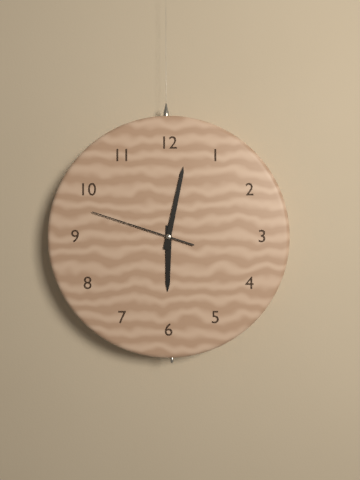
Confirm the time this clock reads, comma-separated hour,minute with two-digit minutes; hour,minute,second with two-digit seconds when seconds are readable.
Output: 6,02,48
